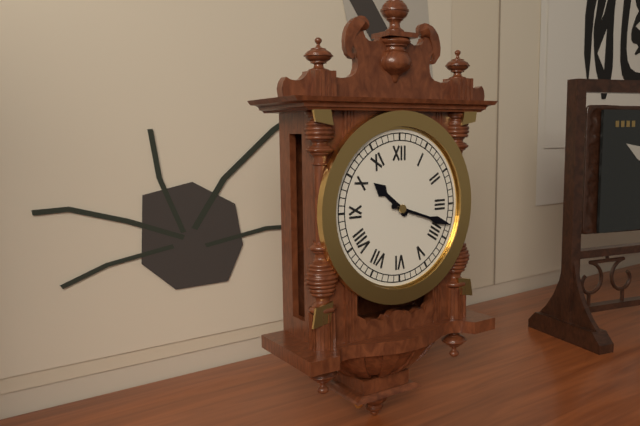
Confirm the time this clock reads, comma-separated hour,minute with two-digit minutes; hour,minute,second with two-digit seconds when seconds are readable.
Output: 10,18
